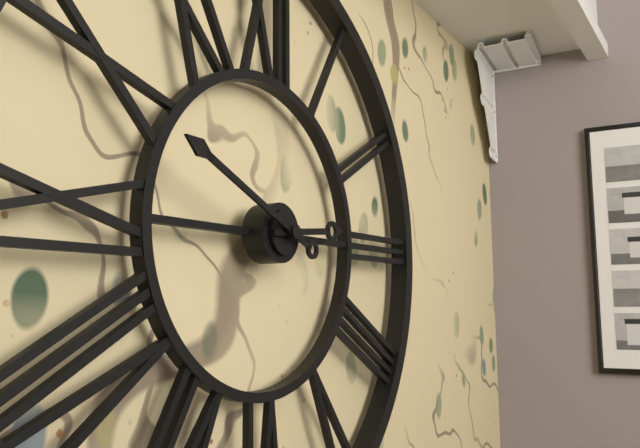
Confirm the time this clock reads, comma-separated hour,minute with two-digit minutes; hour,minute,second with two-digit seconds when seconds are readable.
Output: 2,49
